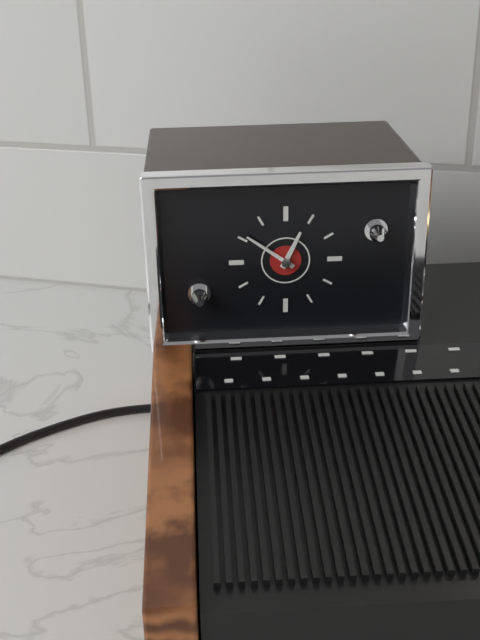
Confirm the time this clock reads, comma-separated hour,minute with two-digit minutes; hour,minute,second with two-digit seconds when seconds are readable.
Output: 12,51
